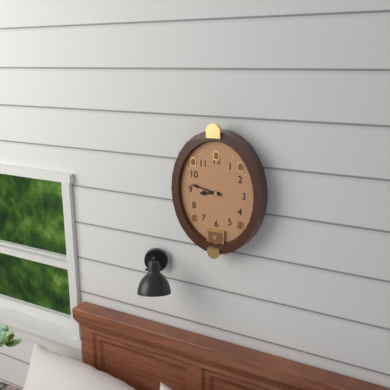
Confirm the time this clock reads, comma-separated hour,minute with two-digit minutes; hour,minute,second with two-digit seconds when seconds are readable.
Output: 8,47
